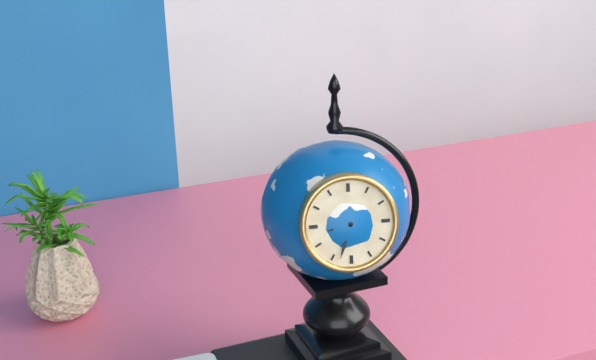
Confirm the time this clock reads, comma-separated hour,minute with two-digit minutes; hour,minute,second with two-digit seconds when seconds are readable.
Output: 8,33
